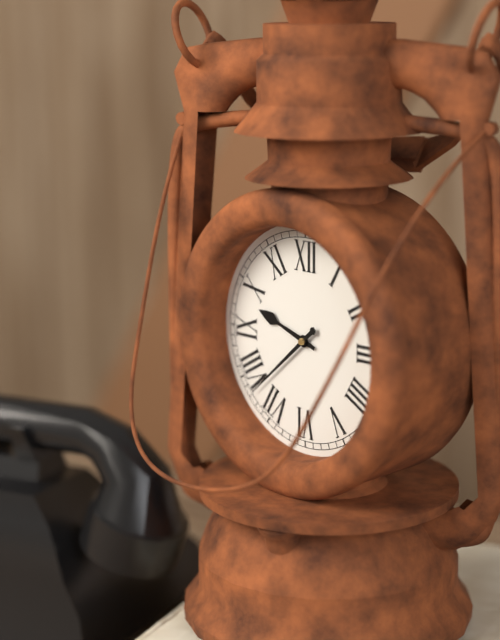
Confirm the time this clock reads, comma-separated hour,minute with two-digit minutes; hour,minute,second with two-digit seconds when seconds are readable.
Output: 9,38
